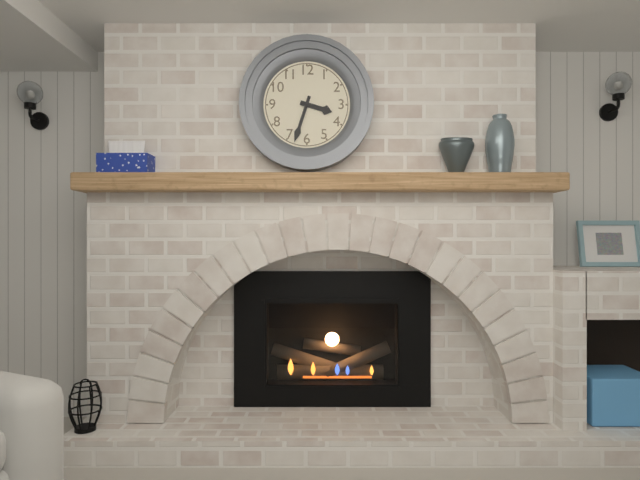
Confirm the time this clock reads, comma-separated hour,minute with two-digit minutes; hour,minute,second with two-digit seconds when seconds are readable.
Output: 3,33
